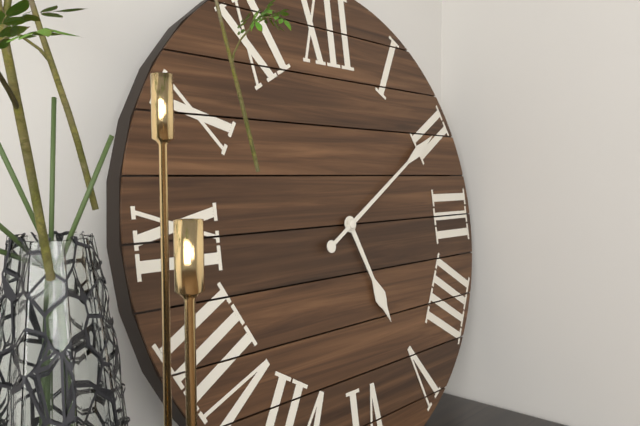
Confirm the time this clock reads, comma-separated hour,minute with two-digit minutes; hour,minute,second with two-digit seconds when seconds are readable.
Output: 5,10
